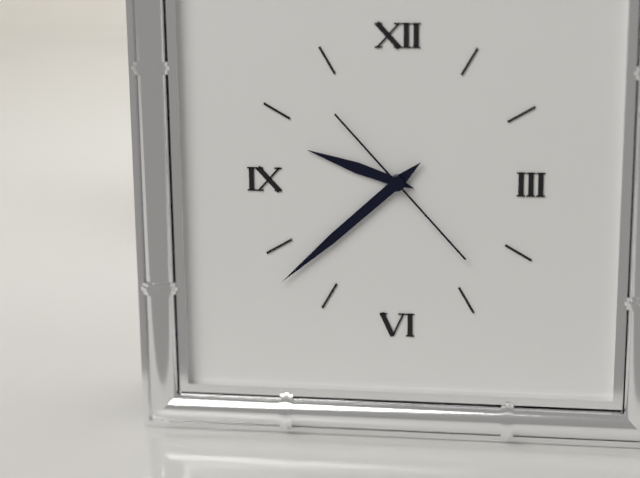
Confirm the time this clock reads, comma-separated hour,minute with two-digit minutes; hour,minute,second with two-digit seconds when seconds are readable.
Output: 9,38,23
